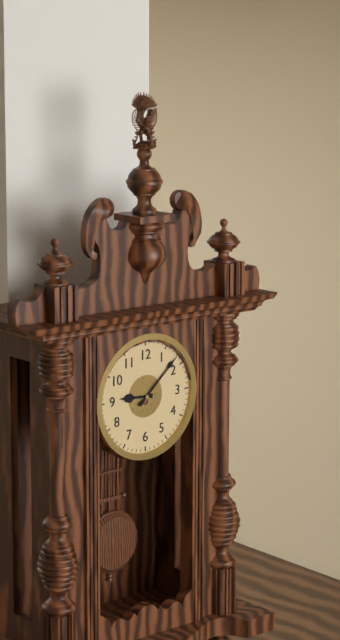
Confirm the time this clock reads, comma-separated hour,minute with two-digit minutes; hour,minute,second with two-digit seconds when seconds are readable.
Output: 9,08
